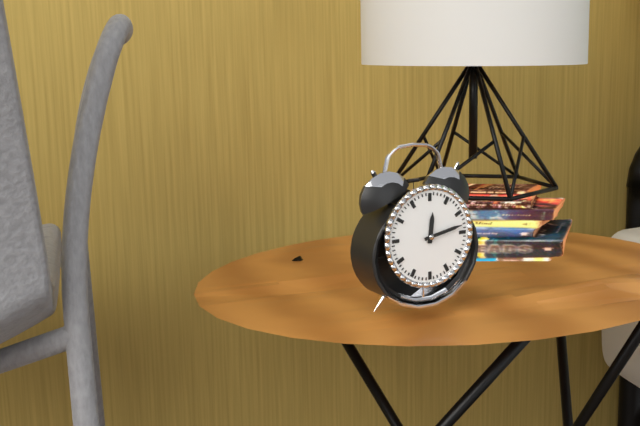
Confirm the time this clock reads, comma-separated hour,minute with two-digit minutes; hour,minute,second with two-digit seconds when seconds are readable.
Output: 12,13
